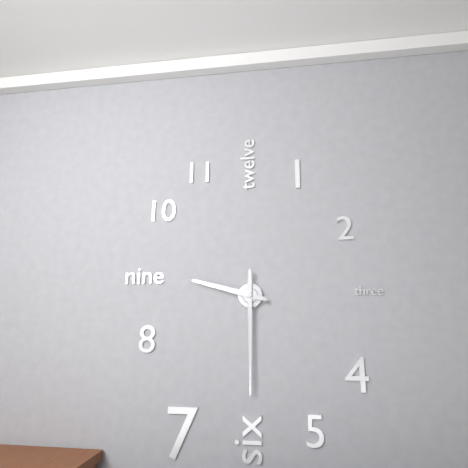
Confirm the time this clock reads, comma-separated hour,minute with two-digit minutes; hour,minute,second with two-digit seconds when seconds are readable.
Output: 9,30
